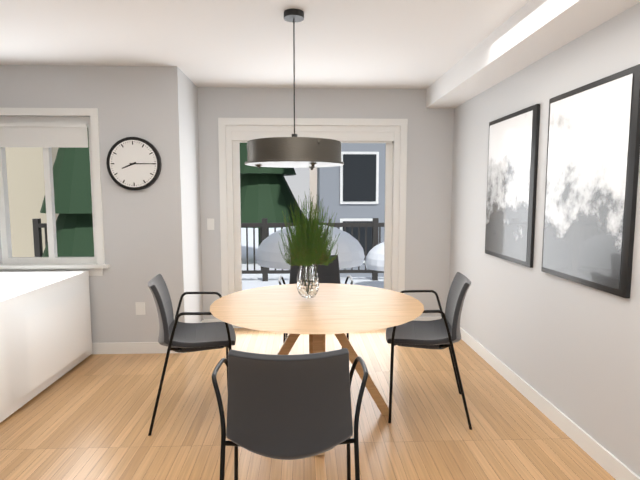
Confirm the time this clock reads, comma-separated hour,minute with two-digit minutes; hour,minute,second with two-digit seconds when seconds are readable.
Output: 8,15
